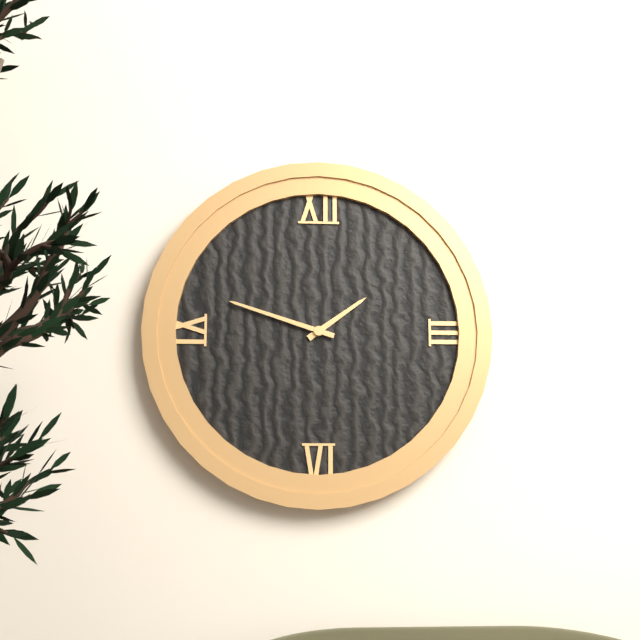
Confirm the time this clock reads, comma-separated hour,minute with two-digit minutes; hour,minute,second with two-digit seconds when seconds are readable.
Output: 1,48
